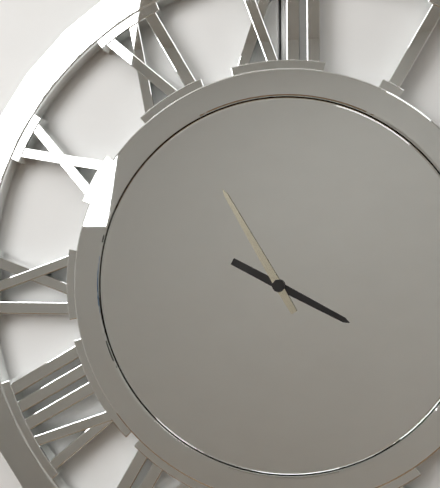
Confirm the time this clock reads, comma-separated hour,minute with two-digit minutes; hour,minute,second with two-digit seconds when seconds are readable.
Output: 3,55
